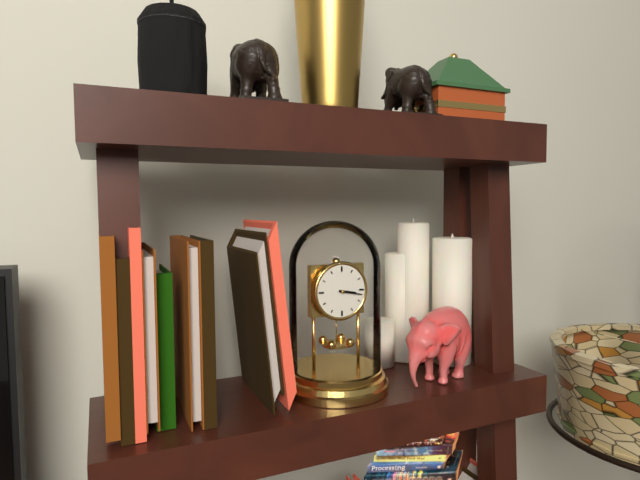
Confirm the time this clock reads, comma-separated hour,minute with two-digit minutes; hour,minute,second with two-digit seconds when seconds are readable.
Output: 3,17
